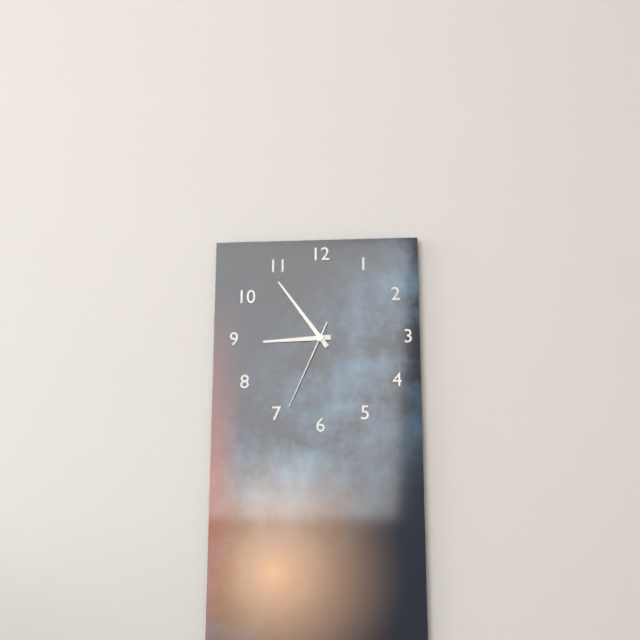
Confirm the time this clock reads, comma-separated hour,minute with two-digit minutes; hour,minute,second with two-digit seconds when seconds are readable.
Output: 8,54,34
